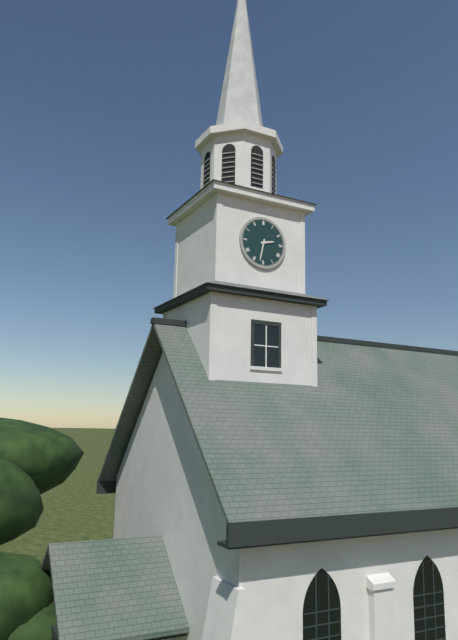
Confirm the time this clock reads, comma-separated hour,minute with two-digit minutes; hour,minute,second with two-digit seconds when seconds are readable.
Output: 2,32
